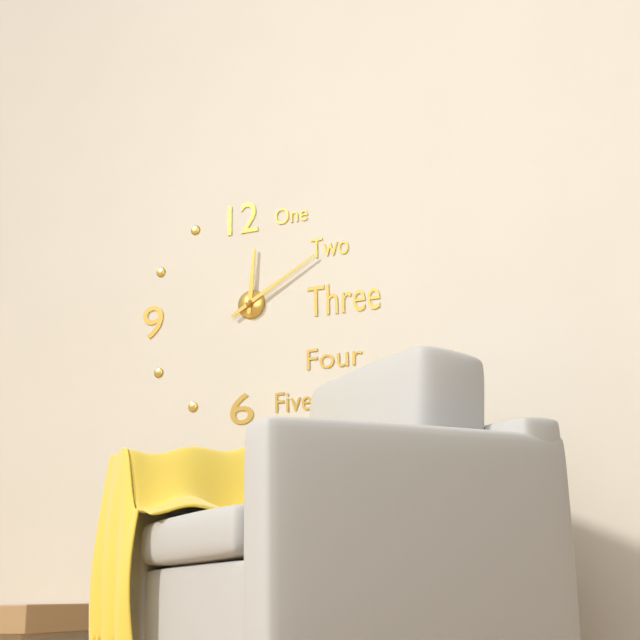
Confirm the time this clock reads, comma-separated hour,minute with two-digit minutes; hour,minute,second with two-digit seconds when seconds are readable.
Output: 12,10
